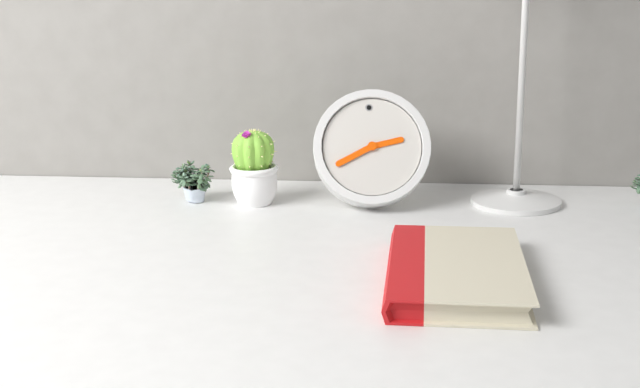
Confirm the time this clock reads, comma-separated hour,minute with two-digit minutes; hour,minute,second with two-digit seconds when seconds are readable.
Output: 2,41
